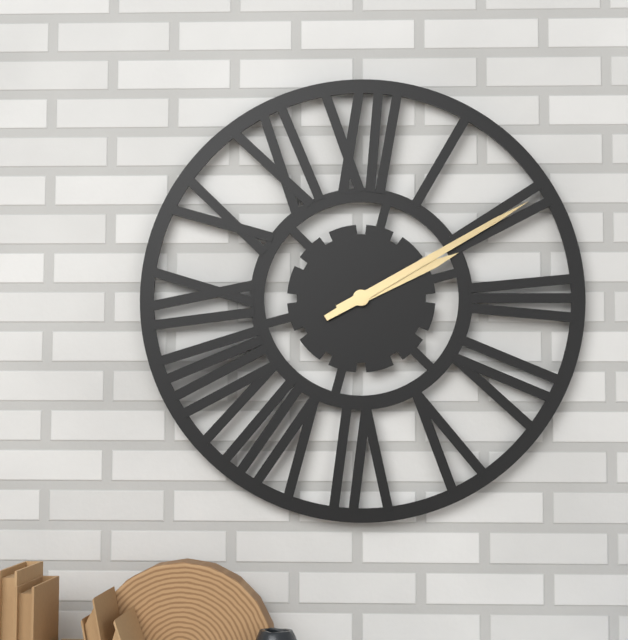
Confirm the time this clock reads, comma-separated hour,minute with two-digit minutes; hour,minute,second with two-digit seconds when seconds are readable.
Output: 2,10
